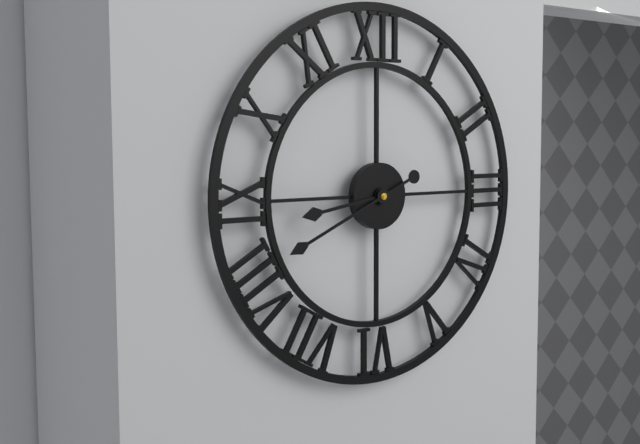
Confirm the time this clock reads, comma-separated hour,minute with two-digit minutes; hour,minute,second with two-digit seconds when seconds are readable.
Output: 8,41
